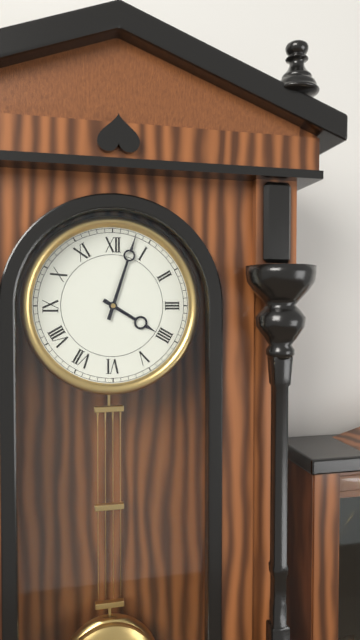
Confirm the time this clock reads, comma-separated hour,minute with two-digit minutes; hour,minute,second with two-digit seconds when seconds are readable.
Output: 4,03
